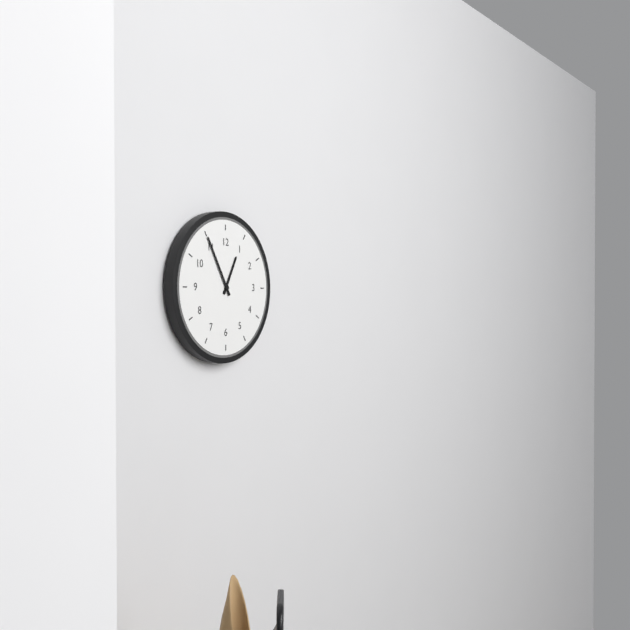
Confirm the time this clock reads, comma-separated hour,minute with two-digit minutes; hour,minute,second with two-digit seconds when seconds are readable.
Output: 12,55
